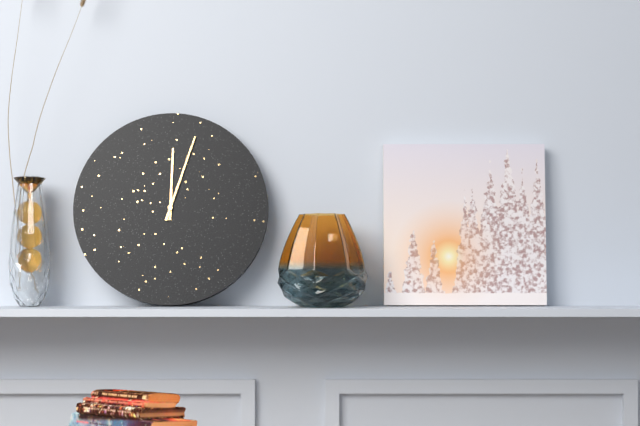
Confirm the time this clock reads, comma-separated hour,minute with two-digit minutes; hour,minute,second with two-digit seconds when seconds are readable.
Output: 12,03
